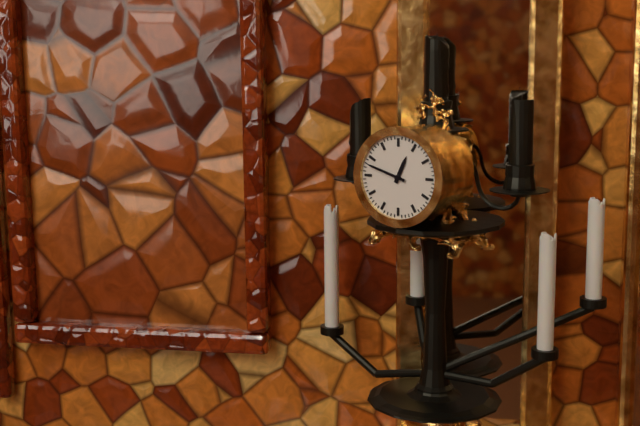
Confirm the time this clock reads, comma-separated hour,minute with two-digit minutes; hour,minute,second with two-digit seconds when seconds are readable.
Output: 12,48
